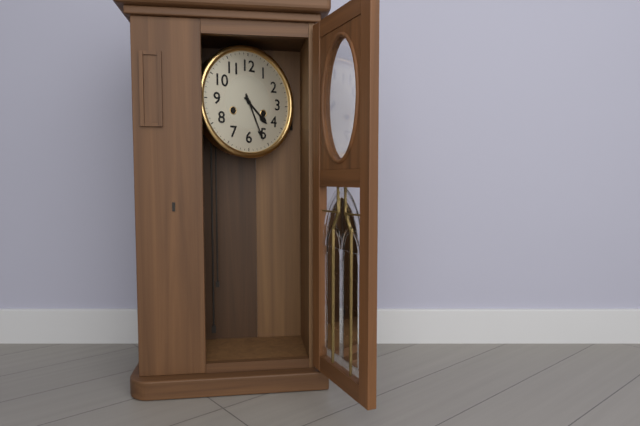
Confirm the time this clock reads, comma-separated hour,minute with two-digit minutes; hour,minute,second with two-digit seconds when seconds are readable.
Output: 4,26
